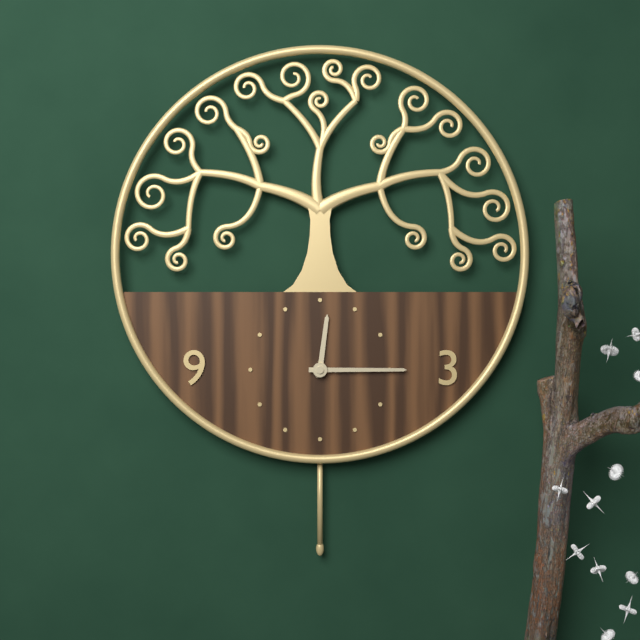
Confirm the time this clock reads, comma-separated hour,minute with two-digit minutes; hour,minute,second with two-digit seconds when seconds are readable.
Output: 12,15
